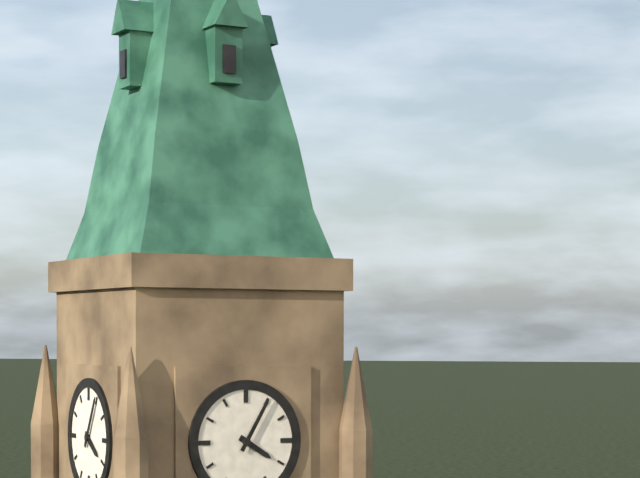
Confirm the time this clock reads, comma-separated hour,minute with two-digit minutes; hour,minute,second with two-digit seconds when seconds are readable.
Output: 4,05
